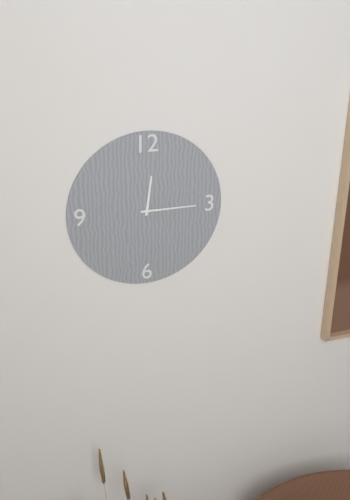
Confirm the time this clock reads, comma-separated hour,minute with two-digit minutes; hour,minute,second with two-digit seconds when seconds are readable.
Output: 12,15
